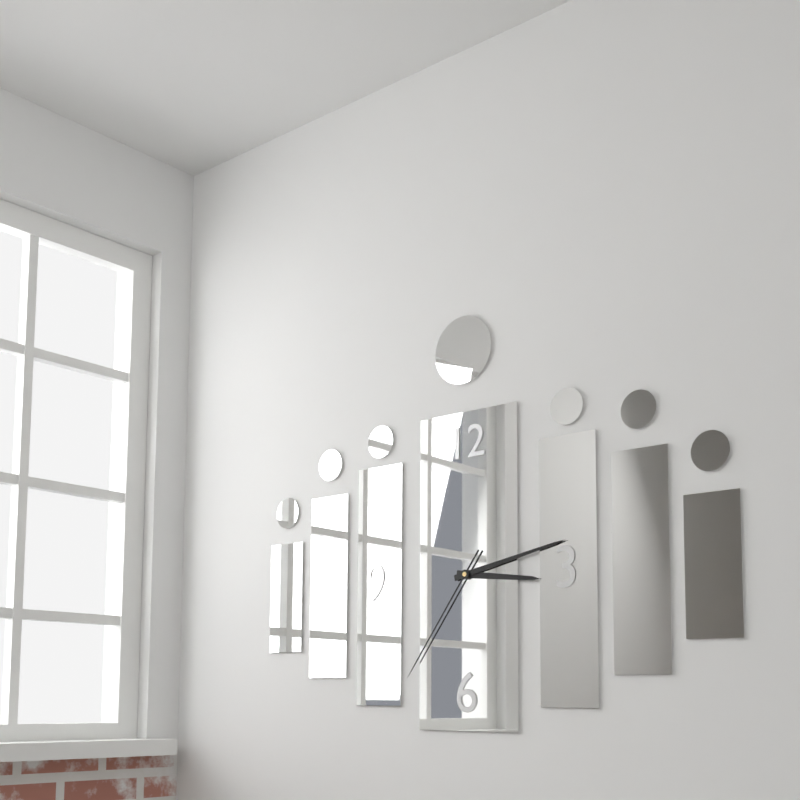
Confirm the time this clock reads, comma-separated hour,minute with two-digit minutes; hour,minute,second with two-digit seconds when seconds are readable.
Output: 3,13,36
